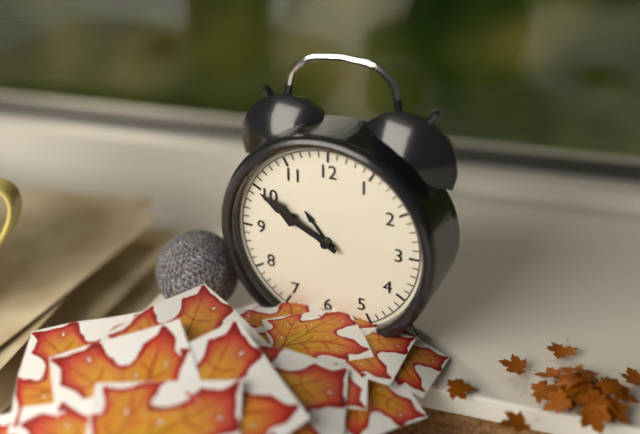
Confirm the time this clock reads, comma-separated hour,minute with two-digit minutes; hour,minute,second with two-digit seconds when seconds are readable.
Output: 9,50
